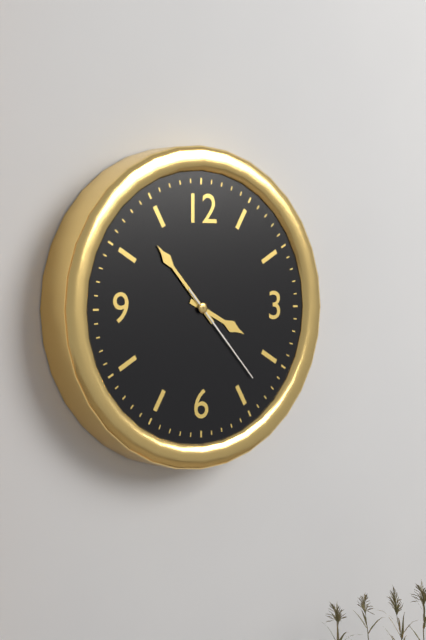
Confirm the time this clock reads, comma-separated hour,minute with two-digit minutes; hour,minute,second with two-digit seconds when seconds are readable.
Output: 3,53,23
